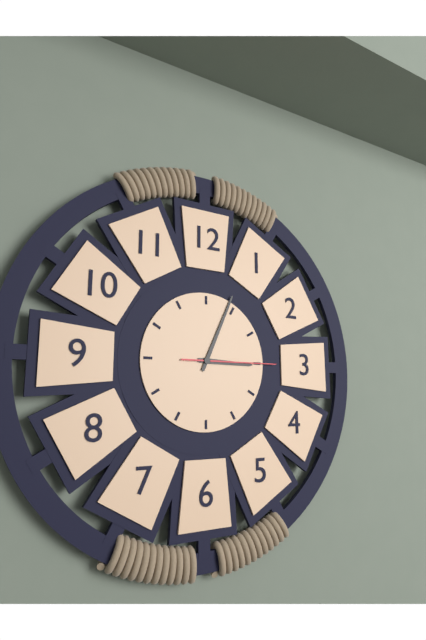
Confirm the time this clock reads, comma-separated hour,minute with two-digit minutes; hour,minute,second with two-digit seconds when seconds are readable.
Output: 3,04,15
